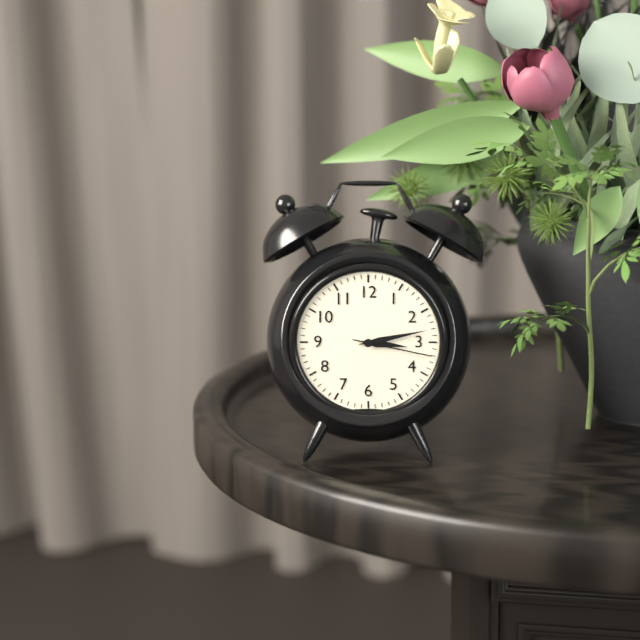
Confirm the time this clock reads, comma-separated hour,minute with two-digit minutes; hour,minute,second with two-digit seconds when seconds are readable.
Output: 3,13,17
